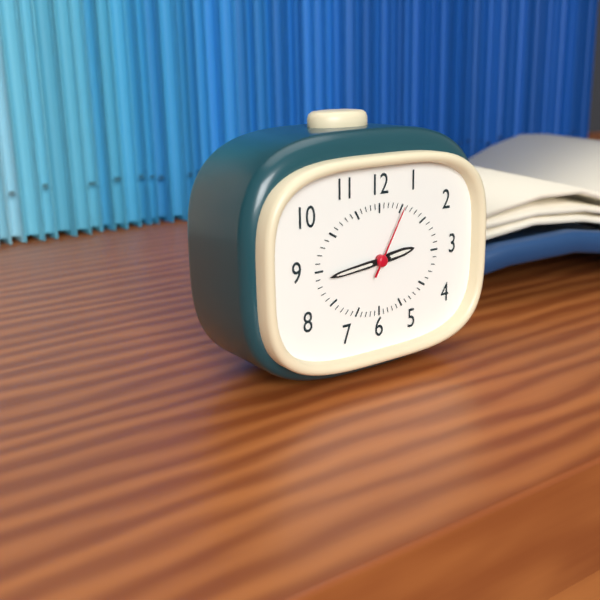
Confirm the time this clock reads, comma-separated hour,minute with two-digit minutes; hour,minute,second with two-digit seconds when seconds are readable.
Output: 2,44,05
